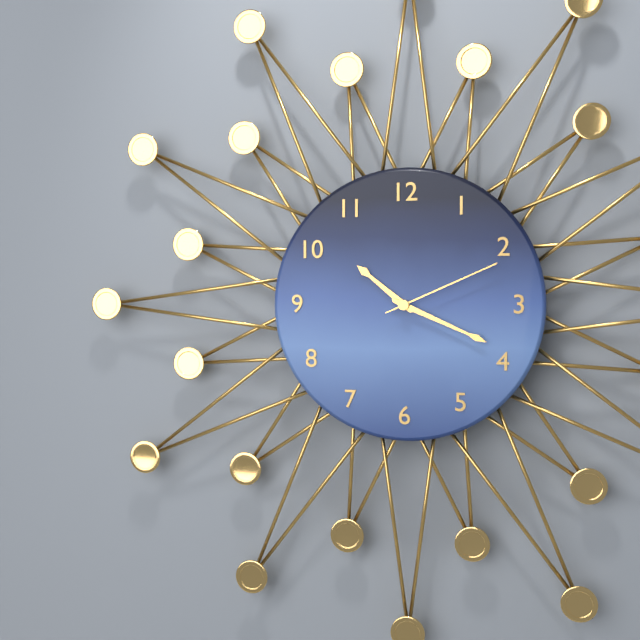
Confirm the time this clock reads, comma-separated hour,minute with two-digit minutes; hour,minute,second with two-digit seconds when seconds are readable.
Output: 10,19,11
